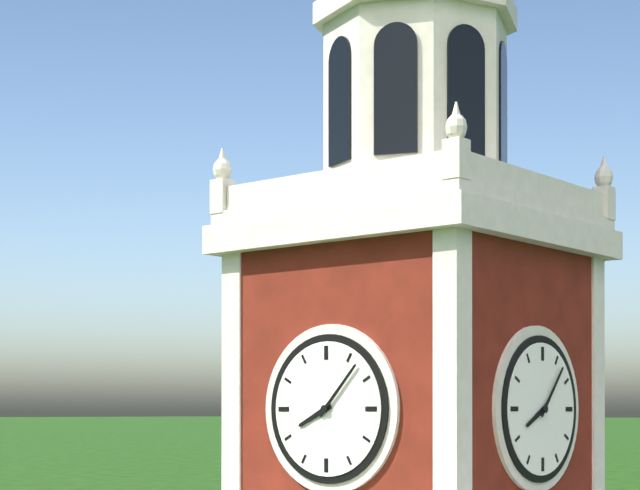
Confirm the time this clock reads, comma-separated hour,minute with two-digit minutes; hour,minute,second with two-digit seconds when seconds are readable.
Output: 8,07
